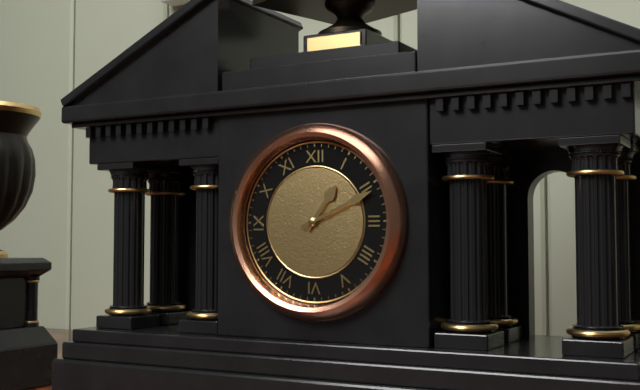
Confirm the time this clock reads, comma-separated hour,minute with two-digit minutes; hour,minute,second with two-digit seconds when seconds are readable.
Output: 1,11
